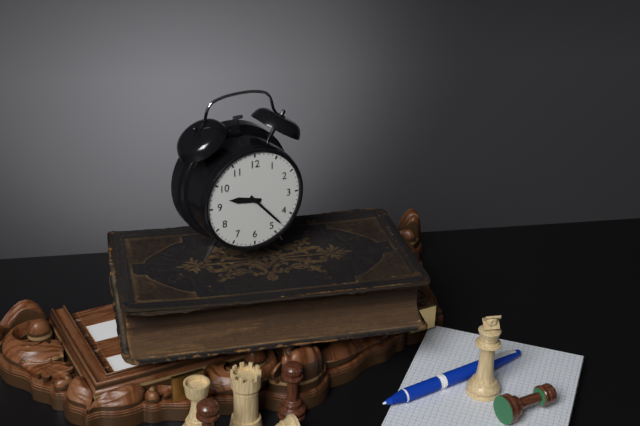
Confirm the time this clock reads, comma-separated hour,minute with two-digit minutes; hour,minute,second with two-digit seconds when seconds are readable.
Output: 9,23
